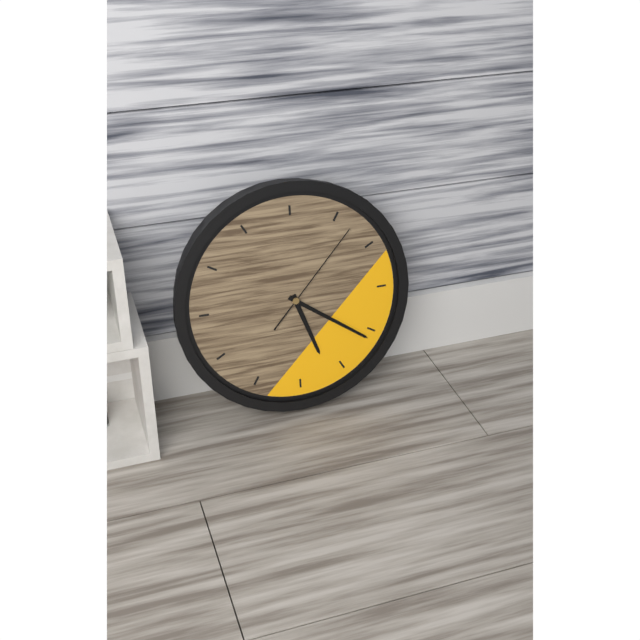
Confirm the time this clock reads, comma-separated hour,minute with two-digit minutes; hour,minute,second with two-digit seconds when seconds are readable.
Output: 5,21,07
